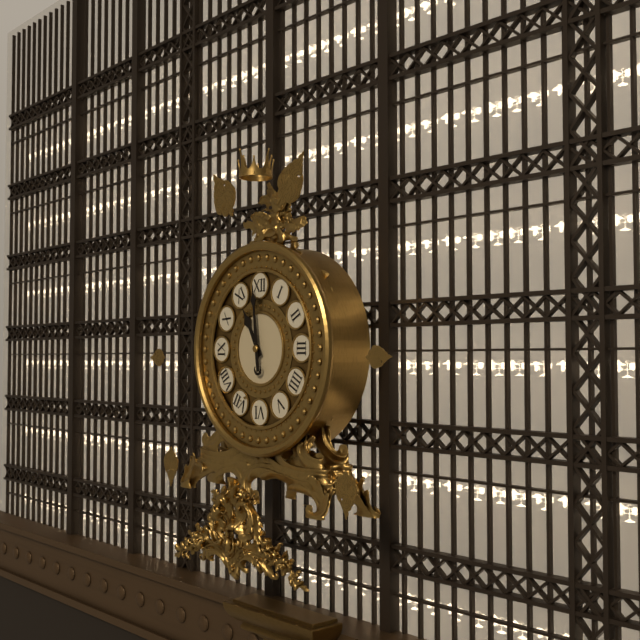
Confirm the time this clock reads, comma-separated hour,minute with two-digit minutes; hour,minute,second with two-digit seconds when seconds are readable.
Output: 10,59
